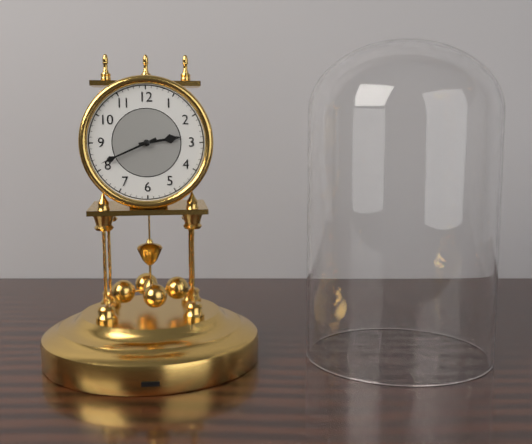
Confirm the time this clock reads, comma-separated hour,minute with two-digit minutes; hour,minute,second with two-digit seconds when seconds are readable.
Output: 2,41
